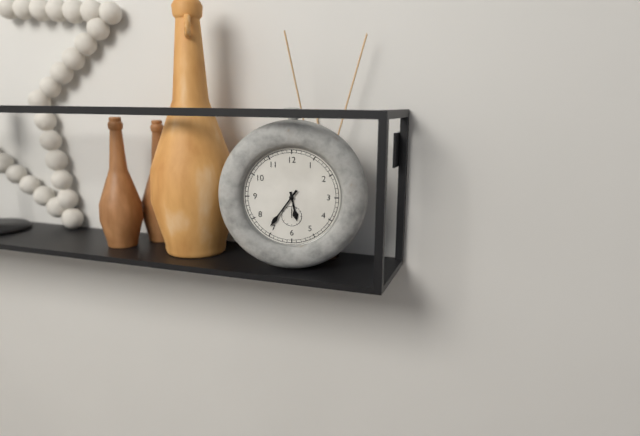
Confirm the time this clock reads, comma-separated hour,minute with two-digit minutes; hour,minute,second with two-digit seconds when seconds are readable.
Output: 5,36
